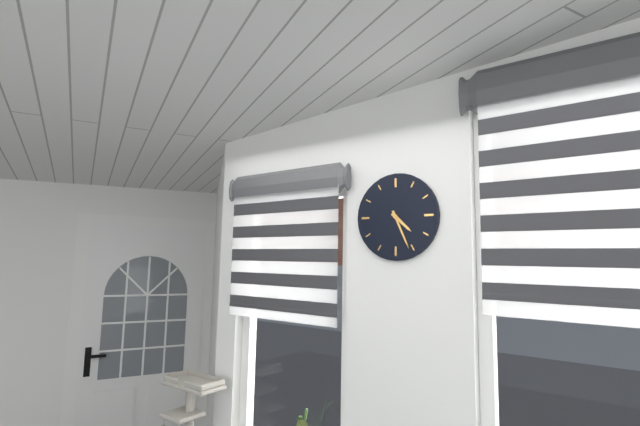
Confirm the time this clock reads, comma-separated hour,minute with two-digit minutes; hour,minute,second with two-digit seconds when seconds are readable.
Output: 4,26
